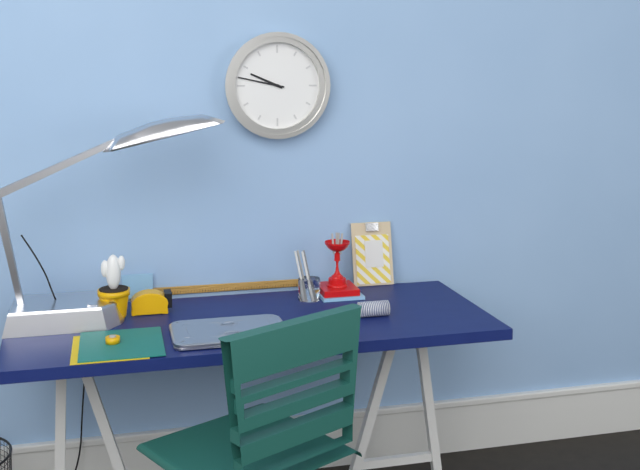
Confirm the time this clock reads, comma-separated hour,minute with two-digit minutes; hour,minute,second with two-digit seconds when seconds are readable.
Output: 9,47
